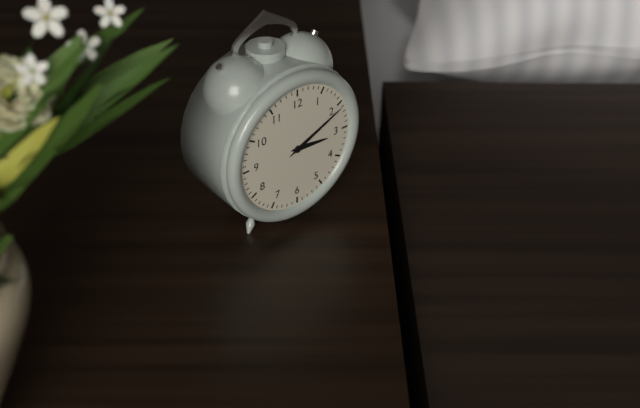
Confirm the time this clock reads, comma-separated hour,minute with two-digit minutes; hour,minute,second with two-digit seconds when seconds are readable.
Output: 3,11
